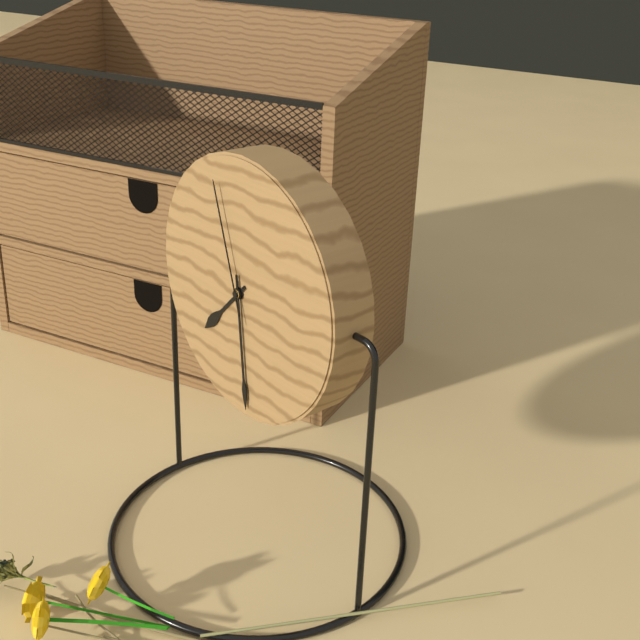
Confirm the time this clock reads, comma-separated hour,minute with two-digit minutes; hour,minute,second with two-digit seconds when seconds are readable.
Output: 7,29,57
